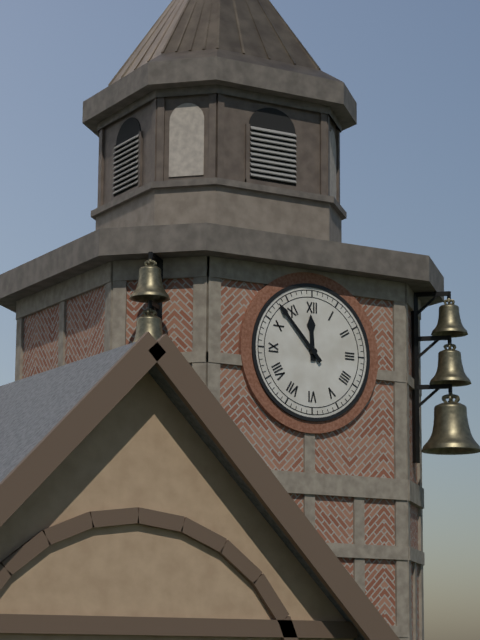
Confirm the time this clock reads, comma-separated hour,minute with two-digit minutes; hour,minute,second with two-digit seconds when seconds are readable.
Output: 11,53
